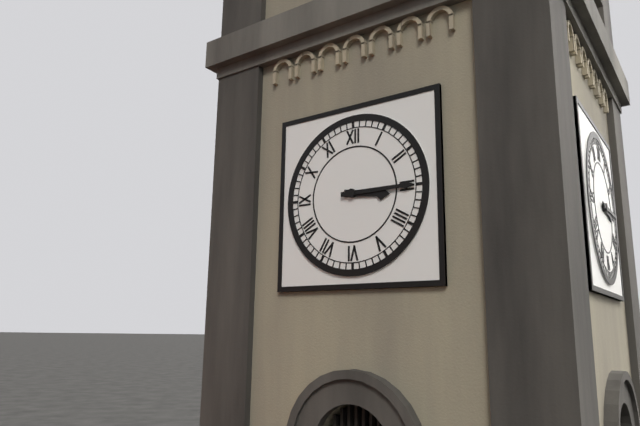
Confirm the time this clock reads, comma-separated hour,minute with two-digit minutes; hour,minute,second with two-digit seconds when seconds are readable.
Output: 3,15
